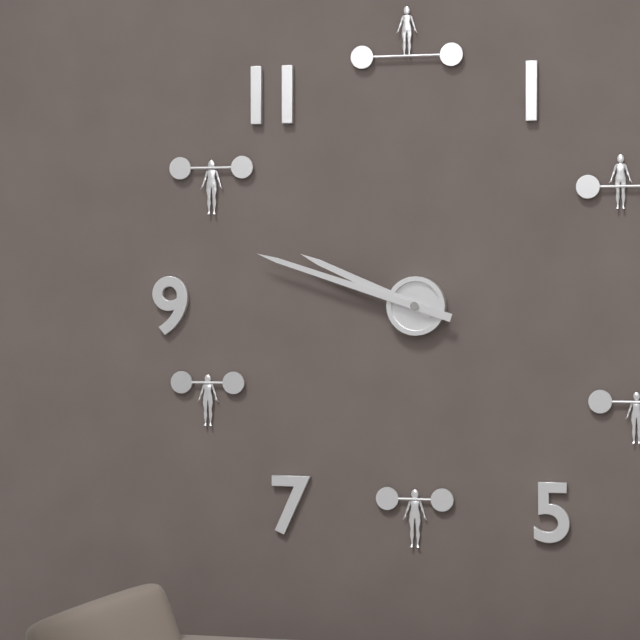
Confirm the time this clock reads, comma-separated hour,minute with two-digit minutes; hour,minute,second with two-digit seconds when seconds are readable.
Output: 9,48
